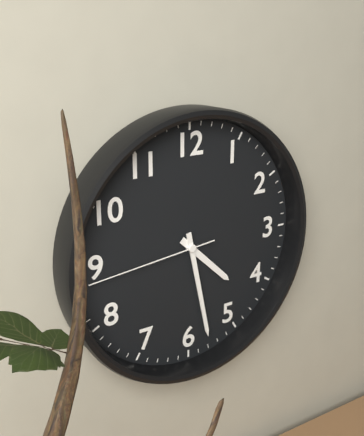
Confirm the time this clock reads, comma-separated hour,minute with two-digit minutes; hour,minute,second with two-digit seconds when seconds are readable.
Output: 4,28,44
